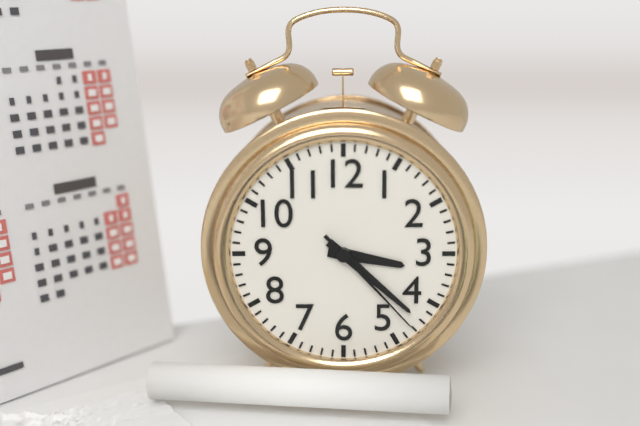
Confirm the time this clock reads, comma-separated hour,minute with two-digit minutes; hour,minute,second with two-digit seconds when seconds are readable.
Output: 3,22,23
